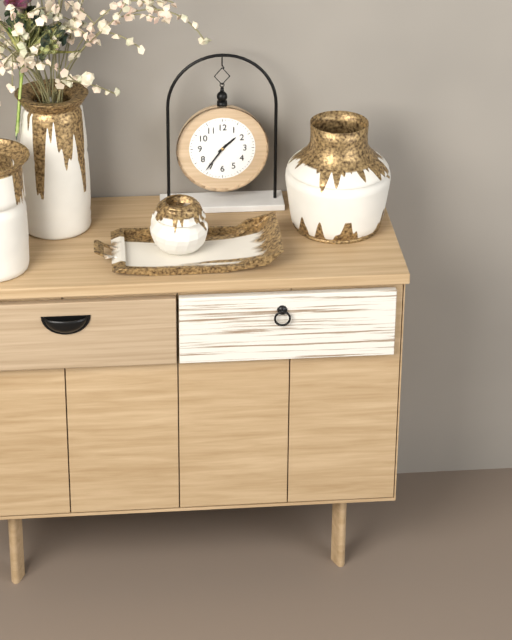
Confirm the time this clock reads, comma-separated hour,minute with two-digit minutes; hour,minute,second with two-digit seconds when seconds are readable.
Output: 1,36
